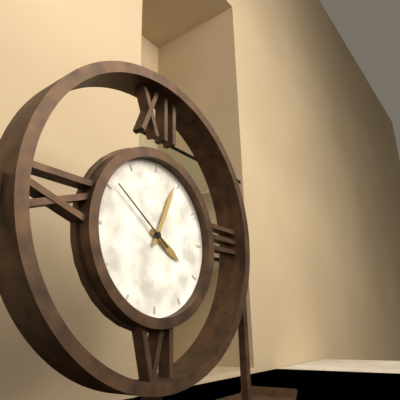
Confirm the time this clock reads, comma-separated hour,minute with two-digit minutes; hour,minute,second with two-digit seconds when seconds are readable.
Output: 4,04,51
